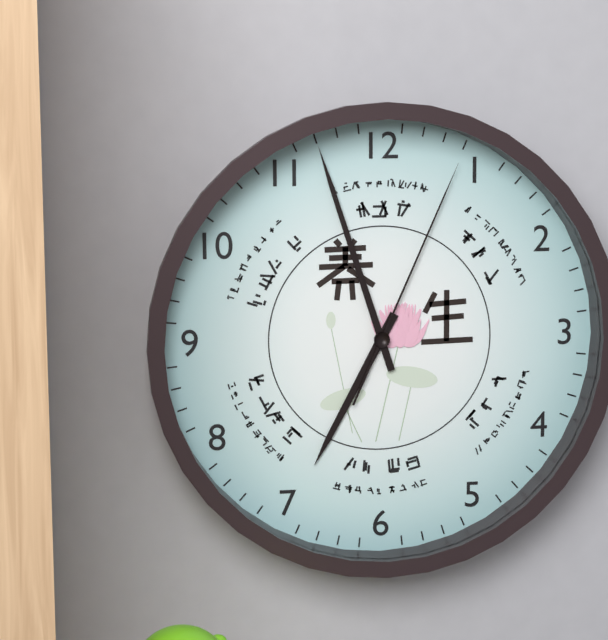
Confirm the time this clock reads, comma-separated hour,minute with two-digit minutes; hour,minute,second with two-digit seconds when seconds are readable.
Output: 6,57,04
